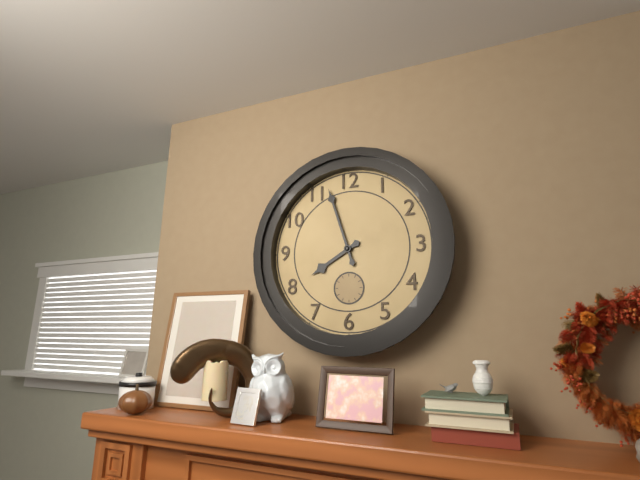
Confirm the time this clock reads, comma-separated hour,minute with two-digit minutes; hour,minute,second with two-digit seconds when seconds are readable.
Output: 7,57
